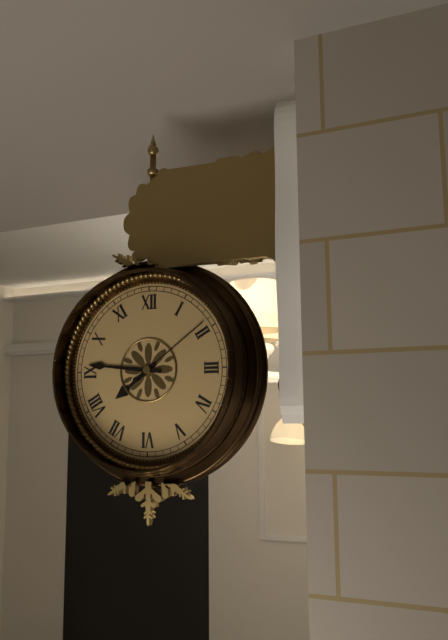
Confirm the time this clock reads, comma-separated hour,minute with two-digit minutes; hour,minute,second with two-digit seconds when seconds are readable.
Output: 7,46,09
